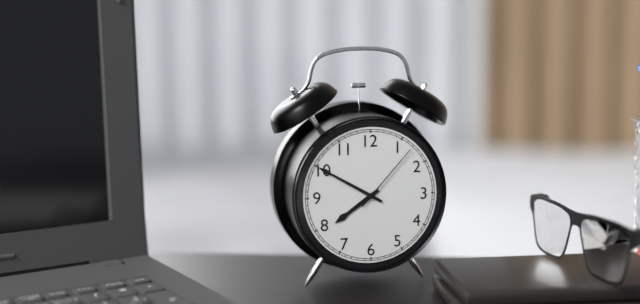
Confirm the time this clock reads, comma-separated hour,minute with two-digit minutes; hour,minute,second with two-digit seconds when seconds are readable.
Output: 7,50,07
